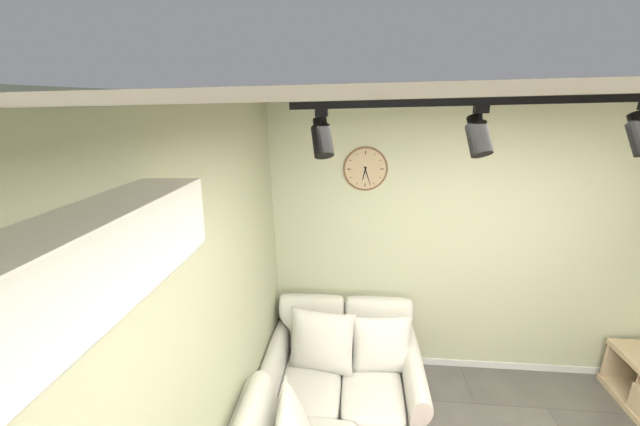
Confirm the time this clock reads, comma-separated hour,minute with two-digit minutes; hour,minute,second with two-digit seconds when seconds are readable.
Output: 6,27
